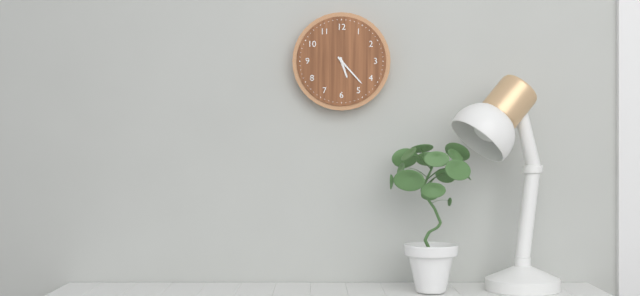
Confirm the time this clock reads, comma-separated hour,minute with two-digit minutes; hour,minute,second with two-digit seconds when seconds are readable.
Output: 5,23
